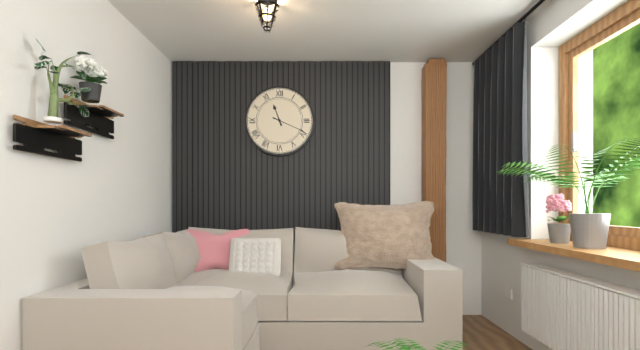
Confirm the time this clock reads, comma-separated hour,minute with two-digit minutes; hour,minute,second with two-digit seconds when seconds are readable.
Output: 11,19
